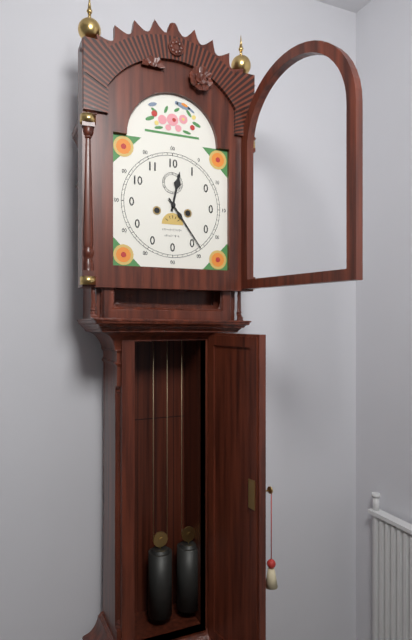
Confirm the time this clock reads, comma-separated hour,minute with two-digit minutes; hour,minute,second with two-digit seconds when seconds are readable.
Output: 12,24
